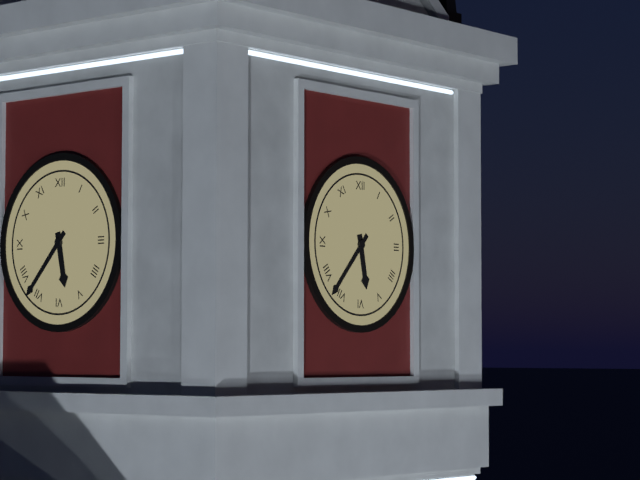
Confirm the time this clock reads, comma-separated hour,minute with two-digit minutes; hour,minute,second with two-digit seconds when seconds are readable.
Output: 5,37
